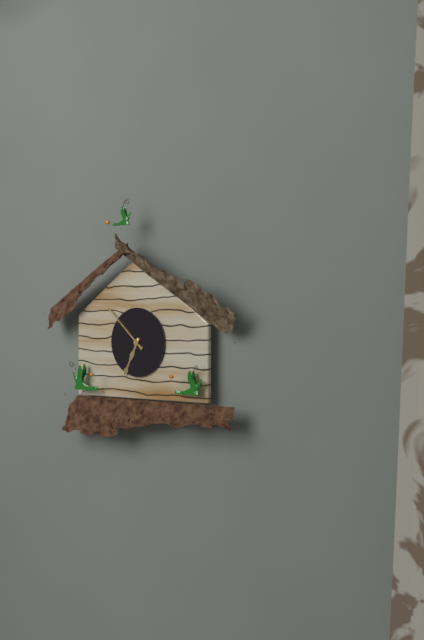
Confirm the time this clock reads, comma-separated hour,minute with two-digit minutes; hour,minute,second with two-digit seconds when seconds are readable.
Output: 6,52
